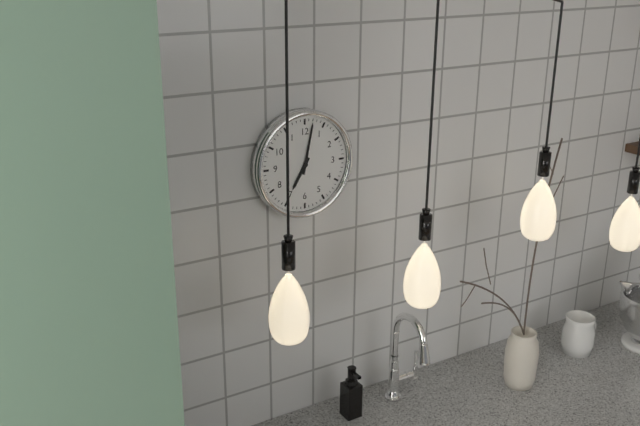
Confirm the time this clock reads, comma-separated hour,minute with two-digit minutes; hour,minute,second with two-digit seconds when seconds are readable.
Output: 7,02
